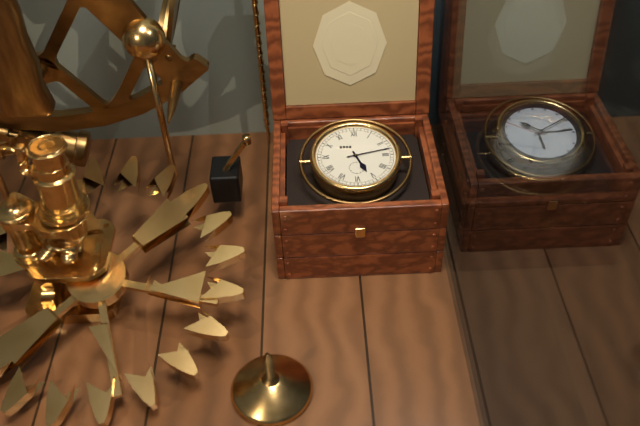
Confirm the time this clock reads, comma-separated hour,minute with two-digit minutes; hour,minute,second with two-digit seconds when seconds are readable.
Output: 5,13
